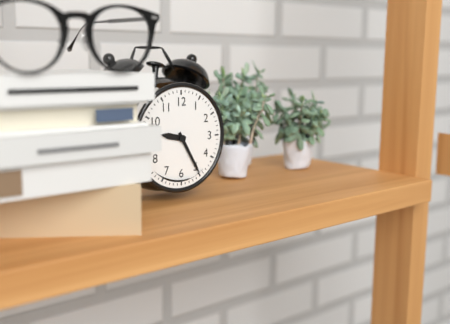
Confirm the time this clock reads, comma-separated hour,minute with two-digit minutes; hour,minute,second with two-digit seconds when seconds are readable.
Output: 9,25
